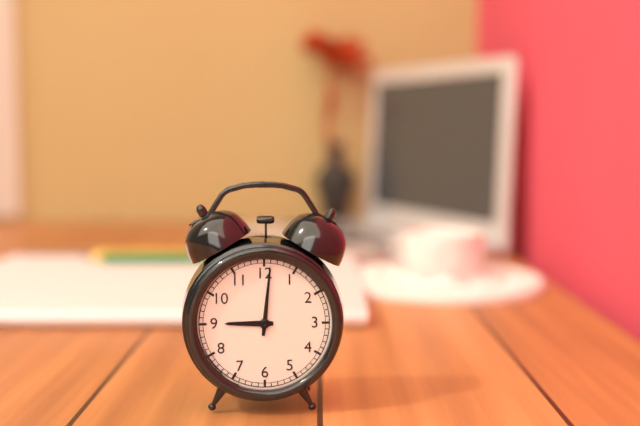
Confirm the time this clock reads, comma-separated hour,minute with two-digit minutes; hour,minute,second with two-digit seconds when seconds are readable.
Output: 9,01
